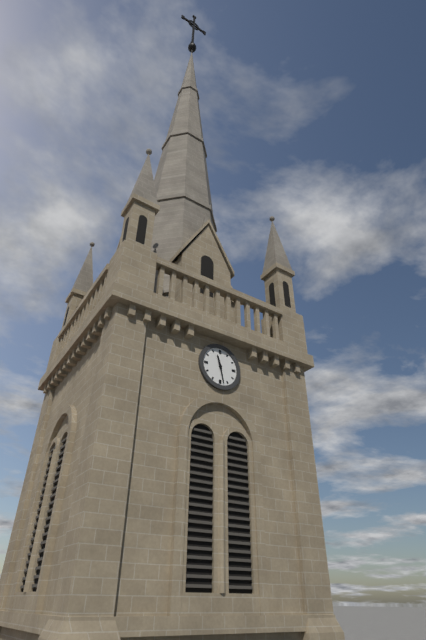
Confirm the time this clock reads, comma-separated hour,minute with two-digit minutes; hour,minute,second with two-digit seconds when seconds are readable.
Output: 11,28
